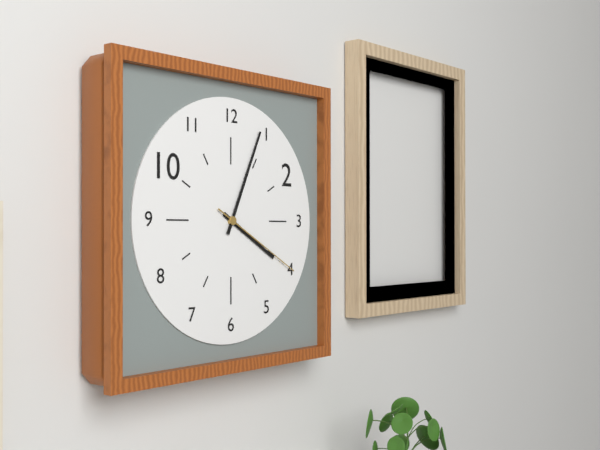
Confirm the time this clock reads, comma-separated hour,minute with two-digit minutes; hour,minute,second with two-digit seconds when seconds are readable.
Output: 4,04,20
